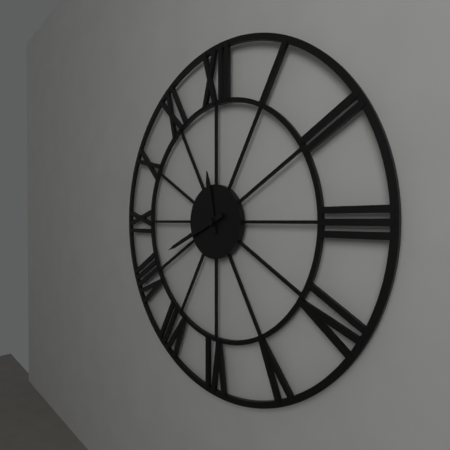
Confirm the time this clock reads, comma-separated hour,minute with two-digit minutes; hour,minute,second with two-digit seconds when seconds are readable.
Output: 11,41
